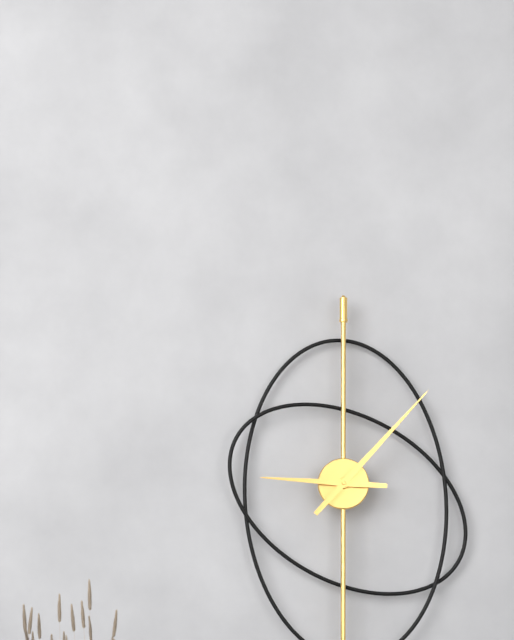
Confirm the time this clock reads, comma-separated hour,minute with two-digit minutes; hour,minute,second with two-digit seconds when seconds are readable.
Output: 9,07
